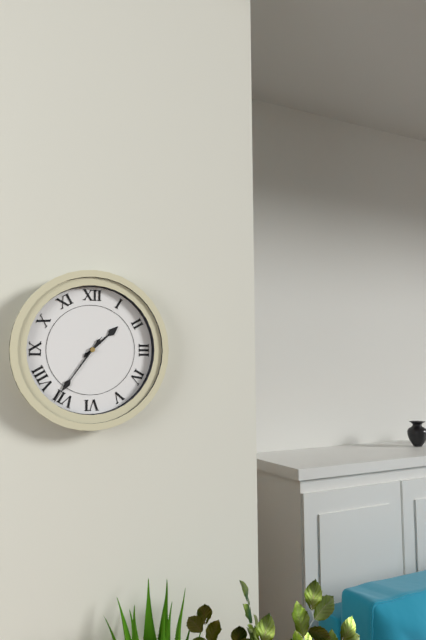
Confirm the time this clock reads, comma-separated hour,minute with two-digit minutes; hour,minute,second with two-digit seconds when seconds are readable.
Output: 1,36,36
